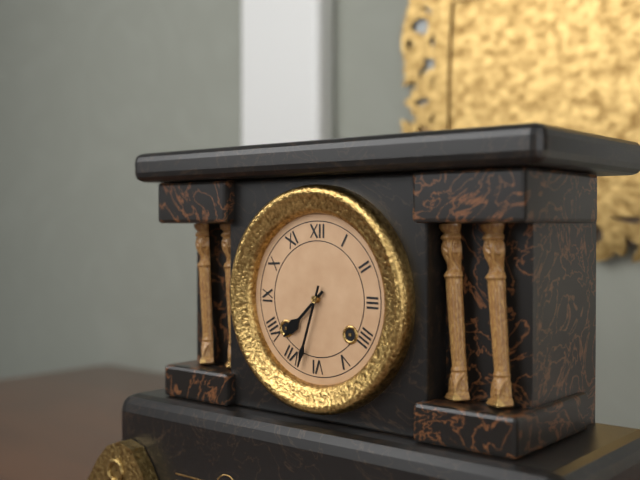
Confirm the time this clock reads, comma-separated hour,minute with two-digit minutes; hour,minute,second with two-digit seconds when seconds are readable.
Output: 7,33
